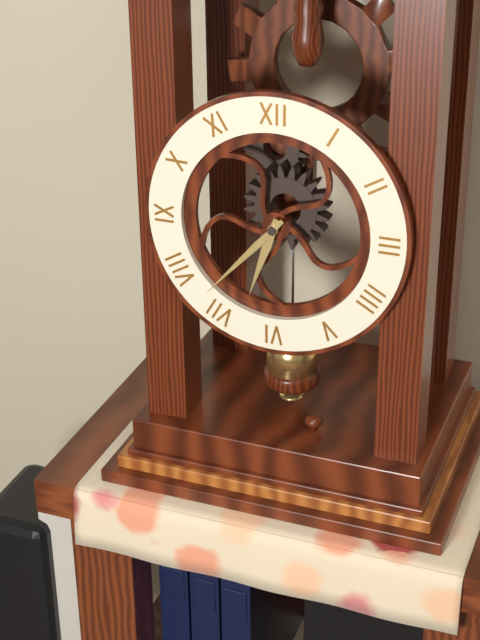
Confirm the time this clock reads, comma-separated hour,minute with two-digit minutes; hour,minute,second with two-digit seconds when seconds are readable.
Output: 6,37
